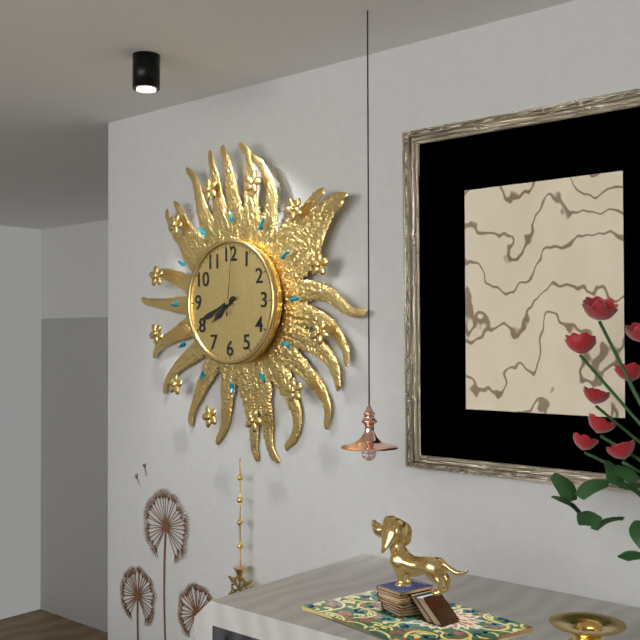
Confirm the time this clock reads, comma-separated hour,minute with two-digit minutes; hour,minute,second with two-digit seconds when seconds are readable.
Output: 7,41,01
